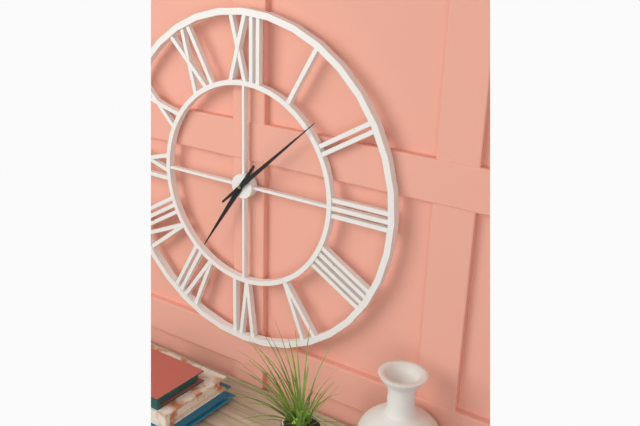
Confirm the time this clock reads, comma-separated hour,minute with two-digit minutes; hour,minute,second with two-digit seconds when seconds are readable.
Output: 7,08
